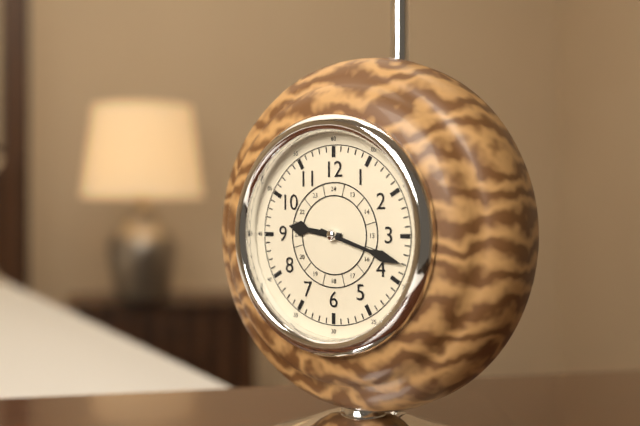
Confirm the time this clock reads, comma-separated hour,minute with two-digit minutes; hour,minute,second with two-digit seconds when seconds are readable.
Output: 9,18
